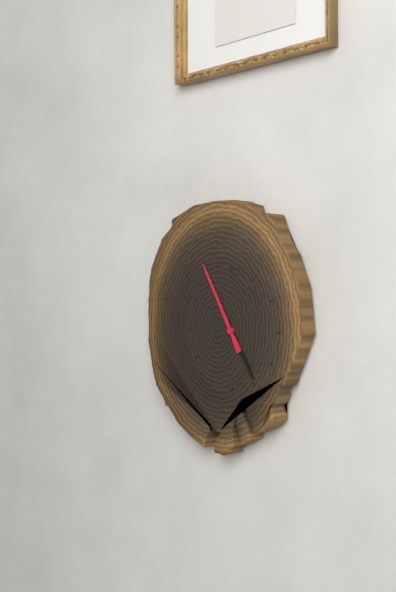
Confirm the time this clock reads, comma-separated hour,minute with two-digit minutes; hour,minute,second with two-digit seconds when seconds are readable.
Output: 4,55
